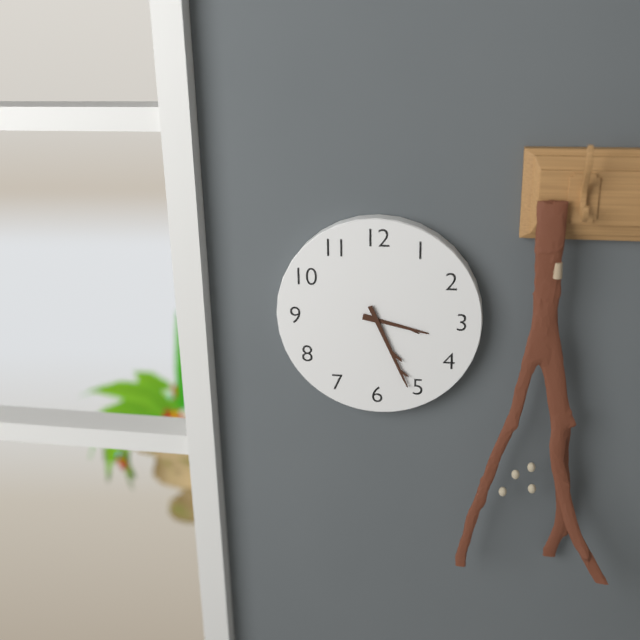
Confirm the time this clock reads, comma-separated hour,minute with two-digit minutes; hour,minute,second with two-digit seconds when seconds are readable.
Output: 3,26
